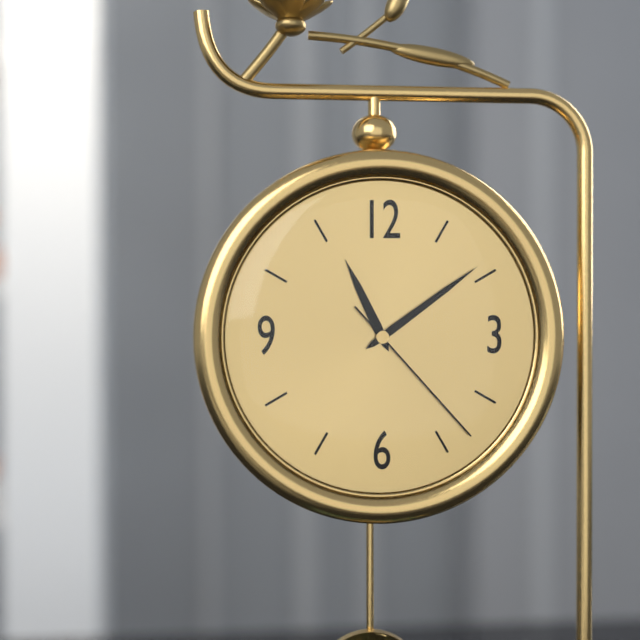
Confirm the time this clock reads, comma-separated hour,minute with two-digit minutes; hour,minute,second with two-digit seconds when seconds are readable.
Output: 11,09,23
